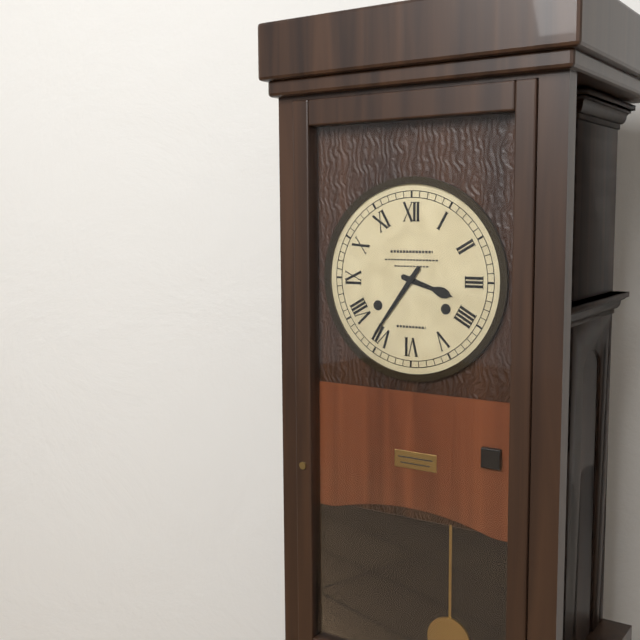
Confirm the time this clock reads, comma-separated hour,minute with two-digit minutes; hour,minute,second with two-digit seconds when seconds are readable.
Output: 3,36
